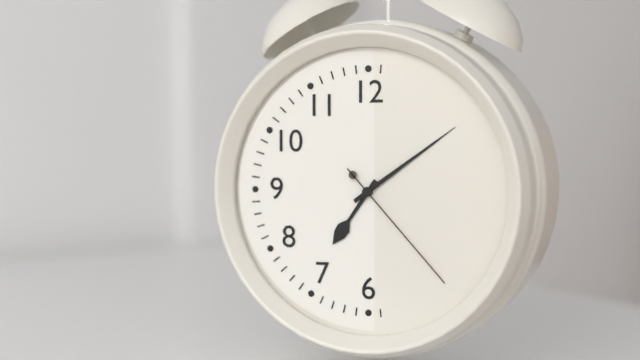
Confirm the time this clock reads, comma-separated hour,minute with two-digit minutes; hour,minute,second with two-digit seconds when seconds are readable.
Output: 7,09,23
